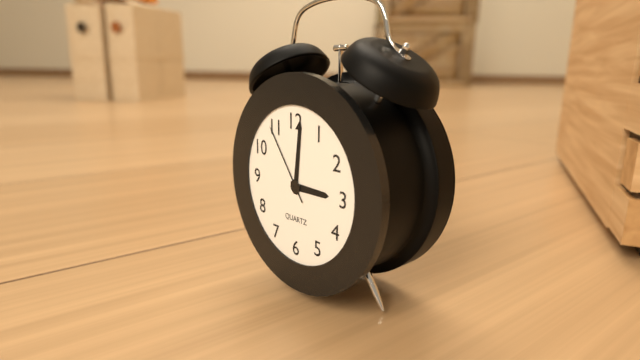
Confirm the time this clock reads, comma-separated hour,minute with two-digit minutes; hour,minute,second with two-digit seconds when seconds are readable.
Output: 3,01,54
